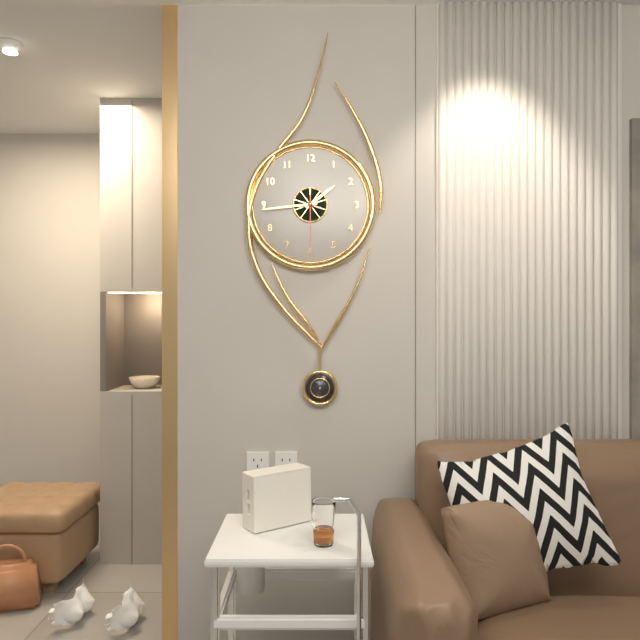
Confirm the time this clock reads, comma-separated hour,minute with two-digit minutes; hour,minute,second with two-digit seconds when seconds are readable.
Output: 1,44,30
